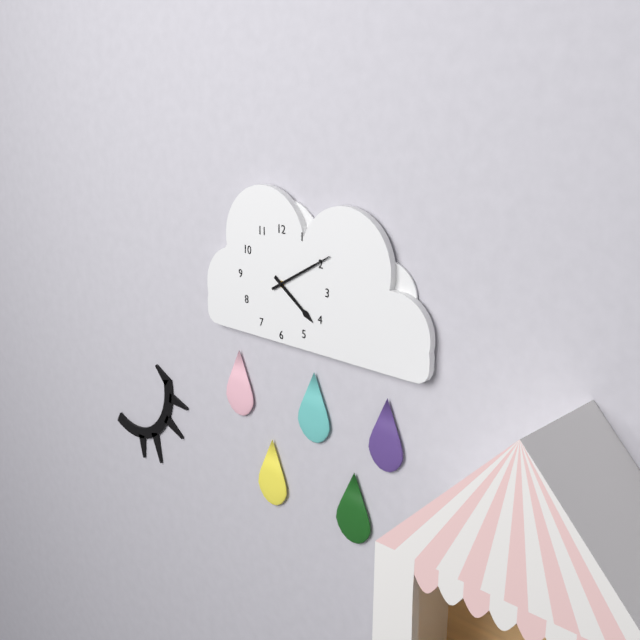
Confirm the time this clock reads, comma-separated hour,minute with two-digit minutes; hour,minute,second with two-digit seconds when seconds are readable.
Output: 4,10
